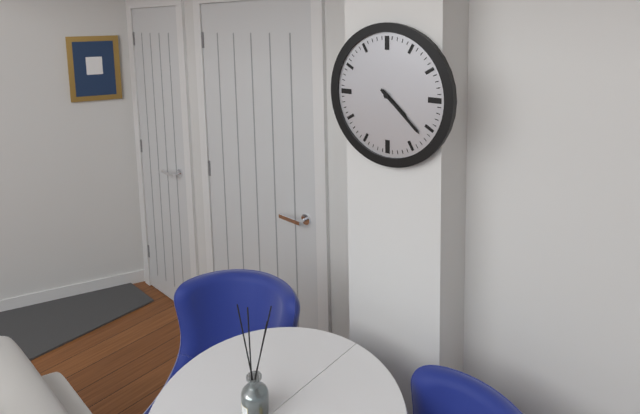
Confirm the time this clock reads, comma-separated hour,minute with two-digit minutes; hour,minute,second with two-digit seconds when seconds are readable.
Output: 4,22
